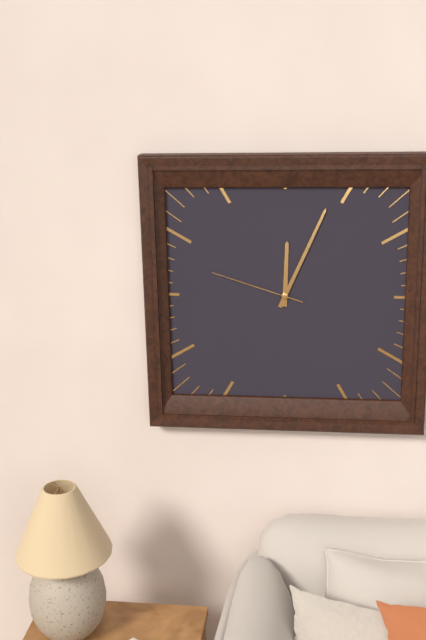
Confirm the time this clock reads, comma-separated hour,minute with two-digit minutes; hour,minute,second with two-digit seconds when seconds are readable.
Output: 12,04,48
